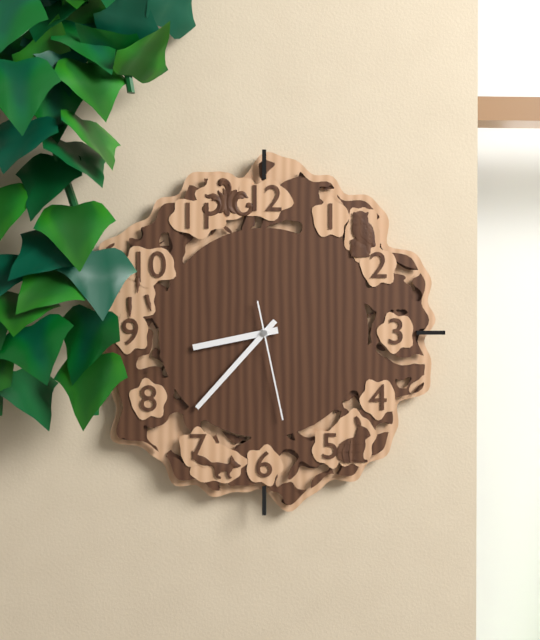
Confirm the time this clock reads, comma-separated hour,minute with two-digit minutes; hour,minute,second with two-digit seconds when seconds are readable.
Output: 8,37,28
